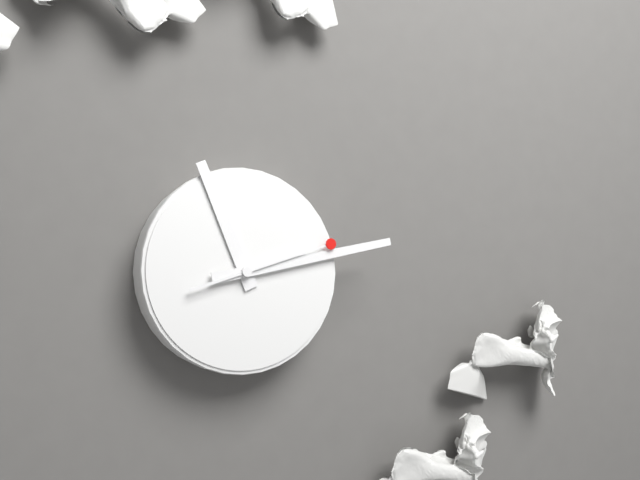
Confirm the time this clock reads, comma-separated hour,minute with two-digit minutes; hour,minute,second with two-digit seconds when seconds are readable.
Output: 11,13,12
